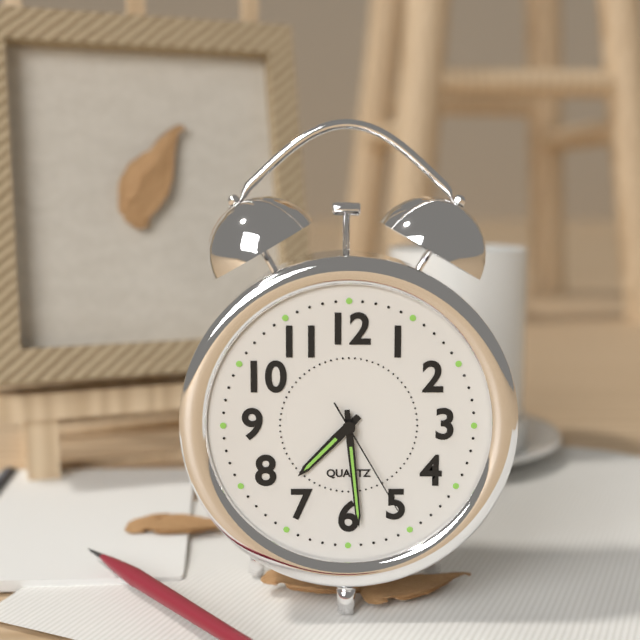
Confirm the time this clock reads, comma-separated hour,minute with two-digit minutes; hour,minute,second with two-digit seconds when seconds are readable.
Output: 7,29,25
